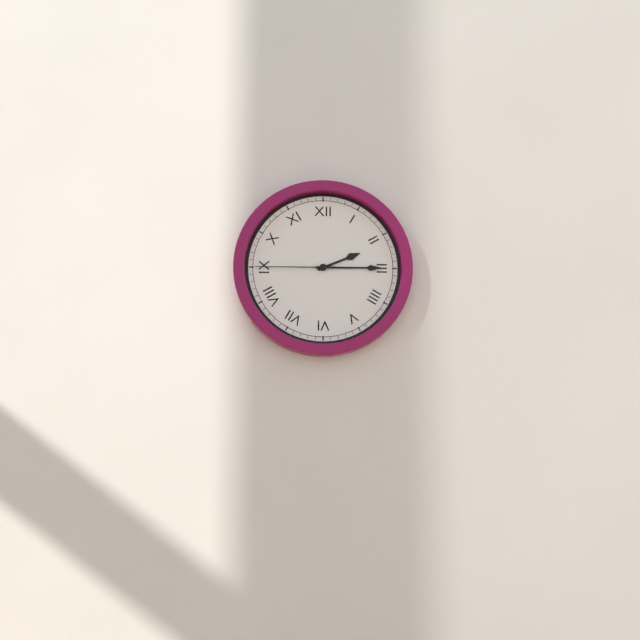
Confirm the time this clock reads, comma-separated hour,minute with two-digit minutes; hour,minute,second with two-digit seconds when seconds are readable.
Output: 2,15,45
